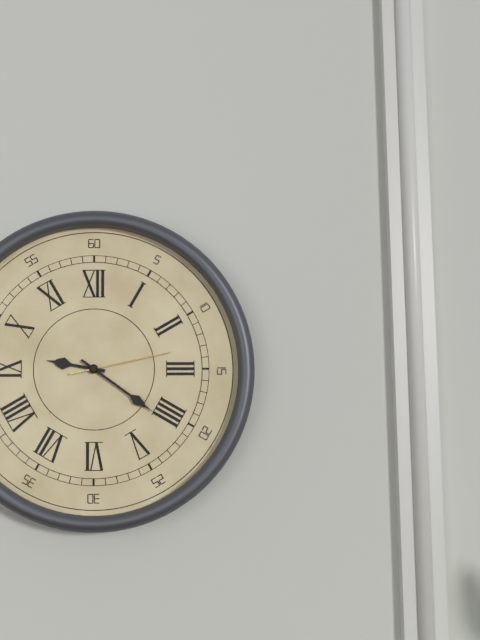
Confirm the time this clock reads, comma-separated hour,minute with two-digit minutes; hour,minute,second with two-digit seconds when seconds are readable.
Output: 9,21,13
